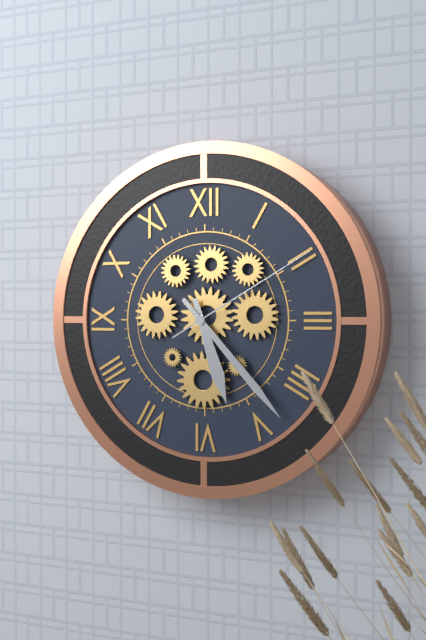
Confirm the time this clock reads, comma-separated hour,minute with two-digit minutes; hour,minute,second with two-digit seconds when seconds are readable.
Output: 5,23,10
